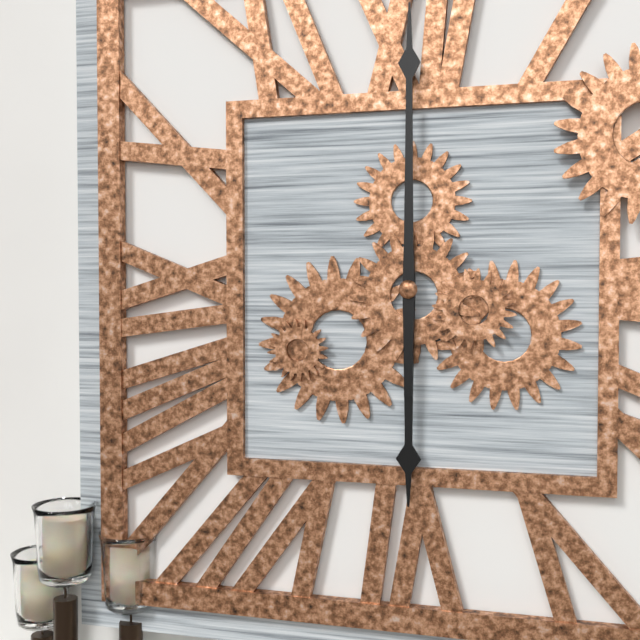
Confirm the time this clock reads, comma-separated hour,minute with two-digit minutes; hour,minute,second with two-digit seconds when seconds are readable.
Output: 6,00
